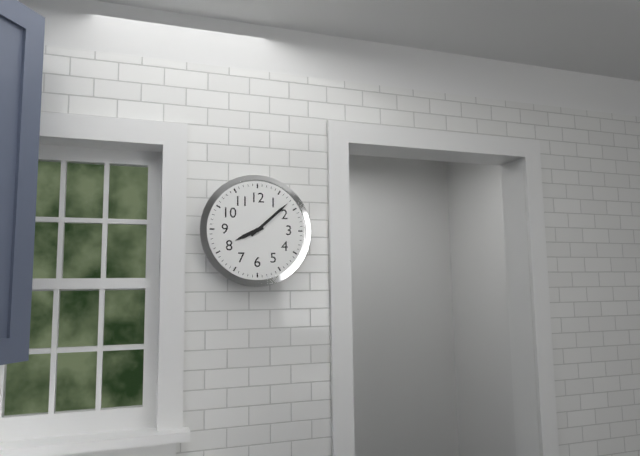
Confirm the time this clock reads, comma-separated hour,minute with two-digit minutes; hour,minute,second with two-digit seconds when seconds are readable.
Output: 8,08
